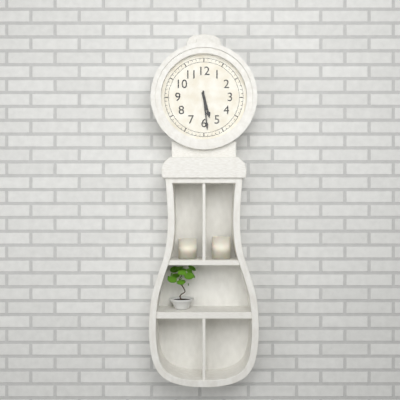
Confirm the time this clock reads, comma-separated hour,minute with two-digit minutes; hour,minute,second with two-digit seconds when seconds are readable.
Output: 5,29
